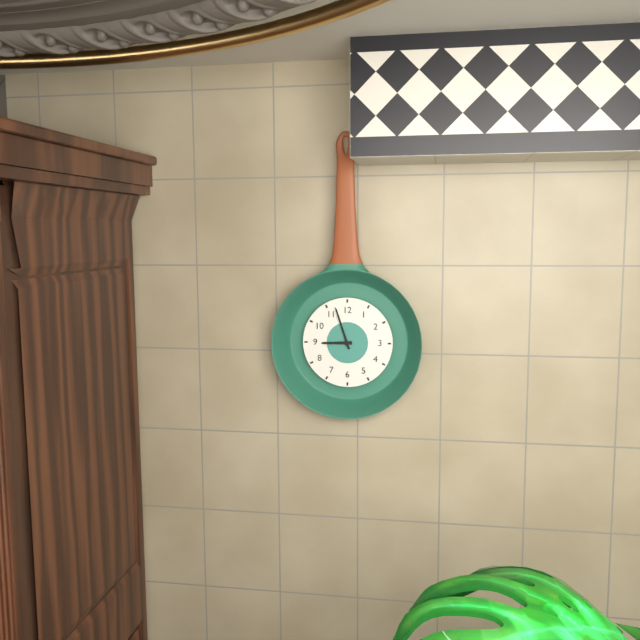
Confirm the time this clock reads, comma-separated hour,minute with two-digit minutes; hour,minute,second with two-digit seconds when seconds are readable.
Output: 8,57
